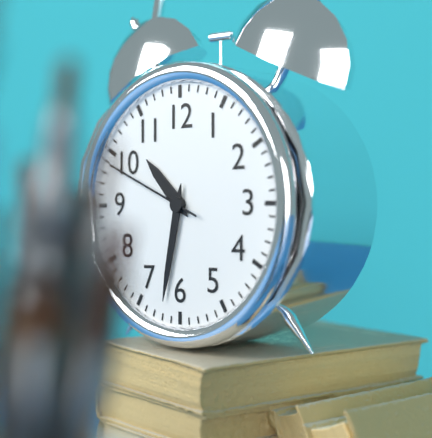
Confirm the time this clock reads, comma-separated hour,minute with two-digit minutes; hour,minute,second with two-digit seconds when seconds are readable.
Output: 10,32,49
